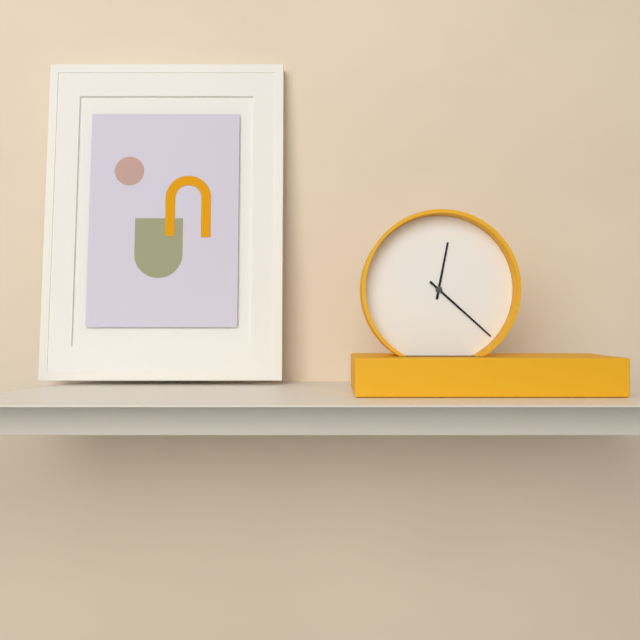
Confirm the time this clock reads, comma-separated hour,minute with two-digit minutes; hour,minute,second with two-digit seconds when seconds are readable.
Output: 12,22
